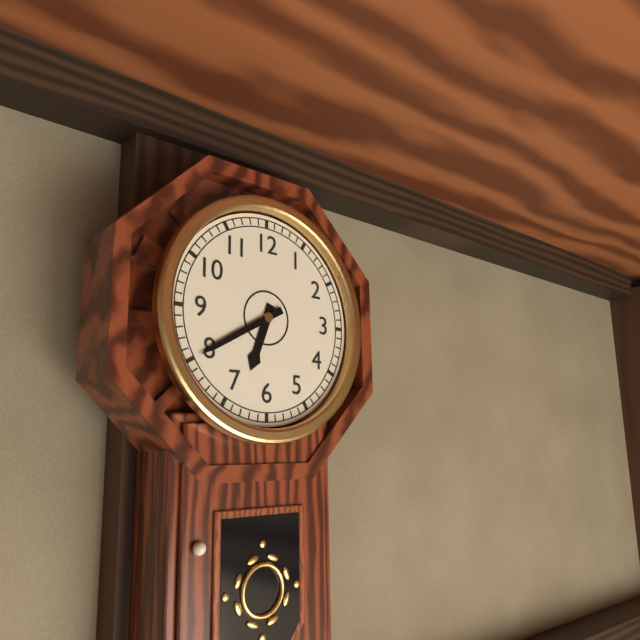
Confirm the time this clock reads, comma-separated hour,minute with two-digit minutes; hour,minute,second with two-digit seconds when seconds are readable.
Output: 6,40
